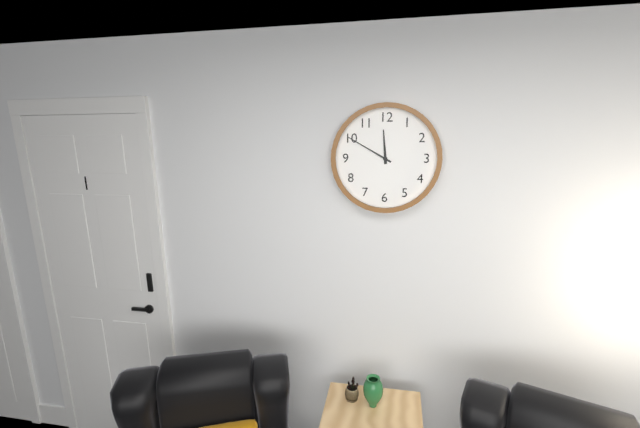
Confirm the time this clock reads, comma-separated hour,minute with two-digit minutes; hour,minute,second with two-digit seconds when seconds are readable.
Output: 11,50
